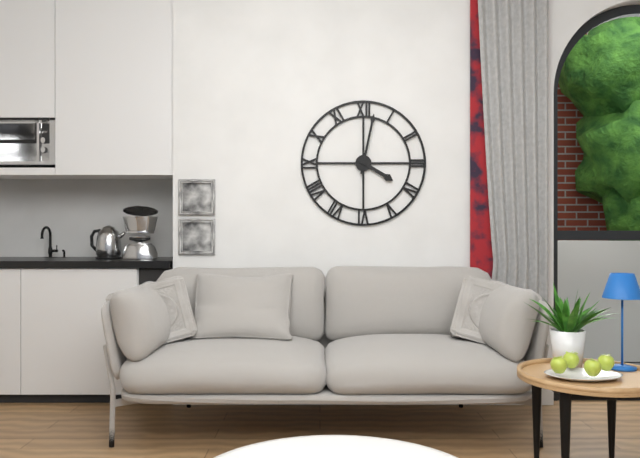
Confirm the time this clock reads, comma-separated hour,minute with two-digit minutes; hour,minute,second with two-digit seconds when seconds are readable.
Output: 4,02
